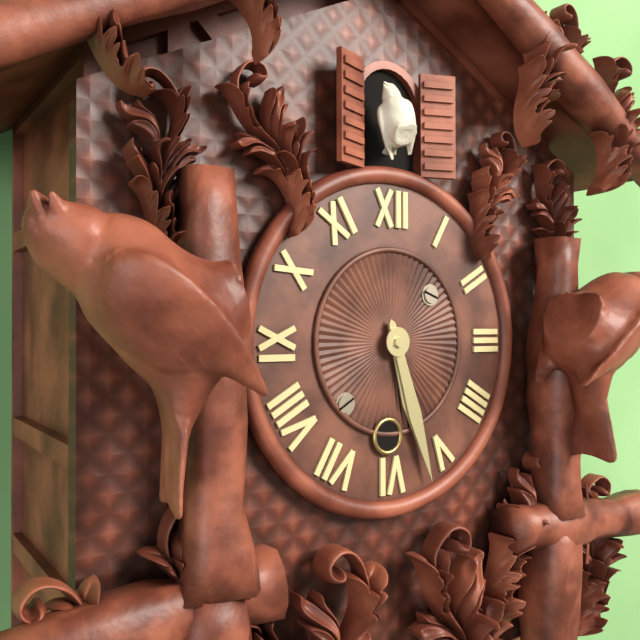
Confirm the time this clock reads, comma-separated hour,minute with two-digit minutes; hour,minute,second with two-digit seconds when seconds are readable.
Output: 5,27
